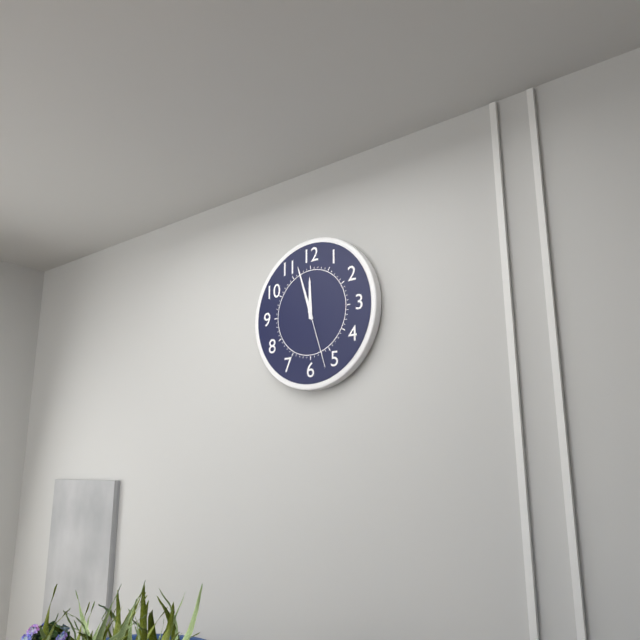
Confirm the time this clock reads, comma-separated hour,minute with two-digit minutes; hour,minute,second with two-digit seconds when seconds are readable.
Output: 11,57,27
